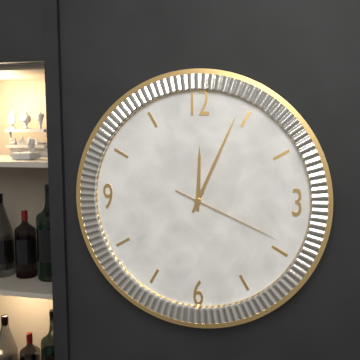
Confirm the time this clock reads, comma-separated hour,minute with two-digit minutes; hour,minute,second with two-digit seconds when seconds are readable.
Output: 12,04,19
